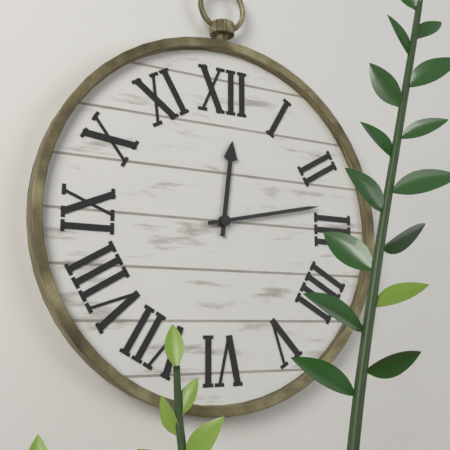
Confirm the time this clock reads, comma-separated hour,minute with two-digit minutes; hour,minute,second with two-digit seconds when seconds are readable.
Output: 12,13
